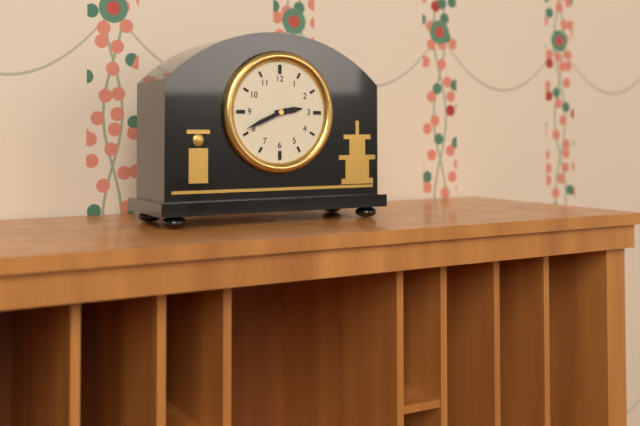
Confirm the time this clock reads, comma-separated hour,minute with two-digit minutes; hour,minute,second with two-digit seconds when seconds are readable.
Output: 2,41
